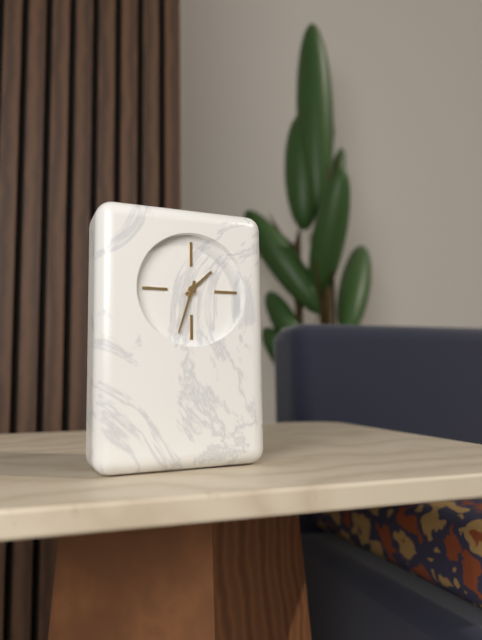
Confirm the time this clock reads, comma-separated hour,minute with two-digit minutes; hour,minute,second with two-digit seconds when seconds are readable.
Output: 1,33
